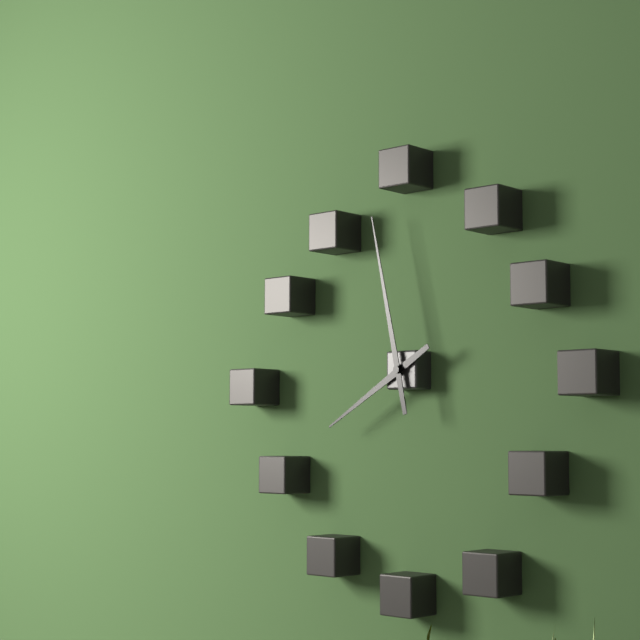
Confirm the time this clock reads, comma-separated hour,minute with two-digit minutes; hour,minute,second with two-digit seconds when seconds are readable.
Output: 7,58
